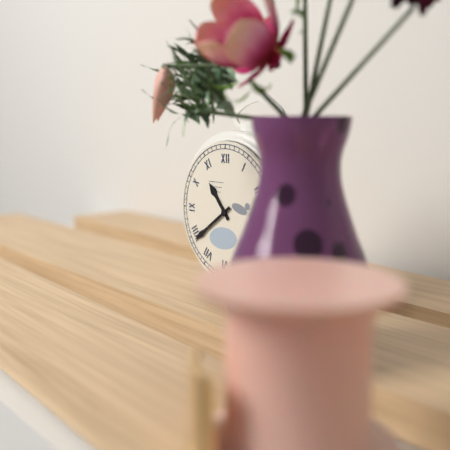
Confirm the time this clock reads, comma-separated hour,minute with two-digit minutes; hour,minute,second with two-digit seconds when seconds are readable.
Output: 10,39
